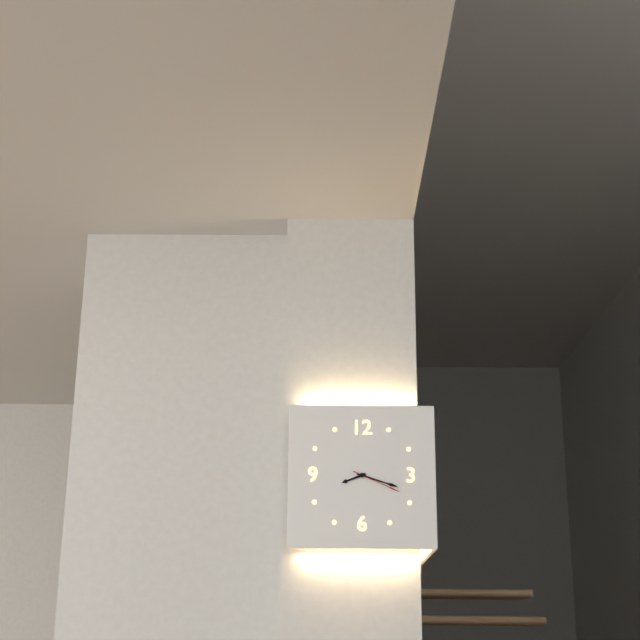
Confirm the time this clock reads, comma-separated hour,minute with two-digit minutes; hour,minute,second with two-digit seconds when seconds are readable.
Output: 8,18,19
